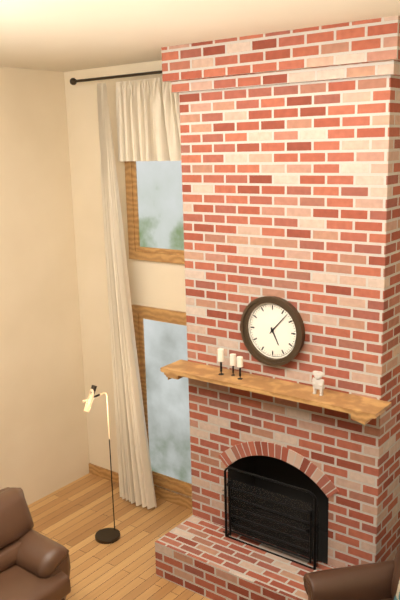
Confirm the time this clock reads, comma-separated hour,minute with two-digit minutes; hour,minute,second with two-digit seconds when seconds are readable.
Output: 5,07
